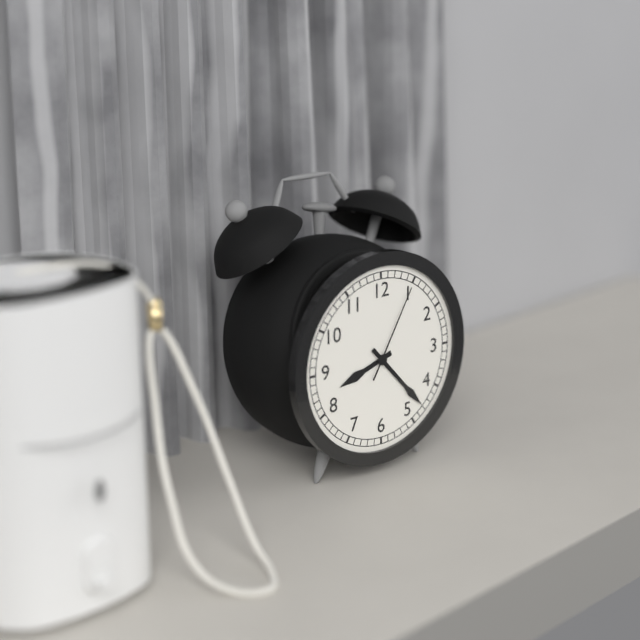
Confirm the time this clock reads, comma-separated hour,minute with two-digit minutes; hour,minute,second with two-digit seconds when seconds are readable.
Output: 8,23,05
